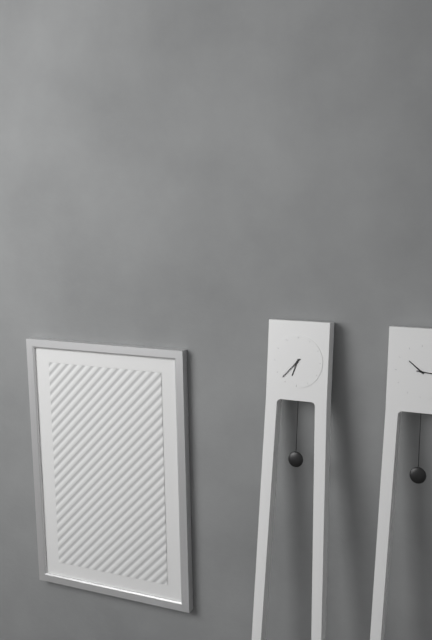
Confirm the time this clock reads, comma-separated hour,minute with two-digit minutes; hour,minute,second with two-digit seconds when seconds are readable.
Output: 6,37
